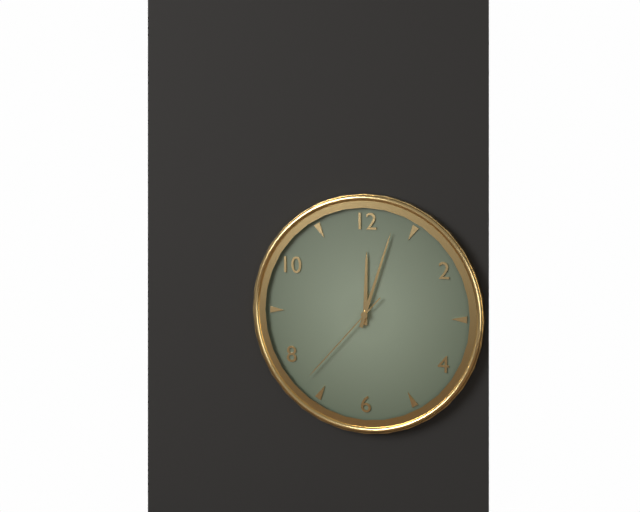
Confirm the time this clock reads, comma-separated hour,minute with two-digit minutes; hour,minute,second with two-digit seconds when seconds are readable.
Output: 12,03,37
